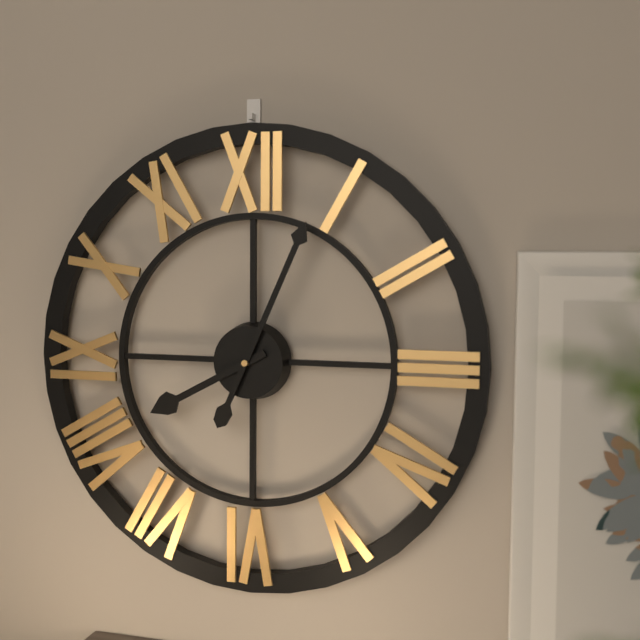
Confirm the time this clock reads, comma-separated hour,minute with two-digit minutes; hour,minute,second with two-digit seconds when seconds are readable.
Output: 8,04
